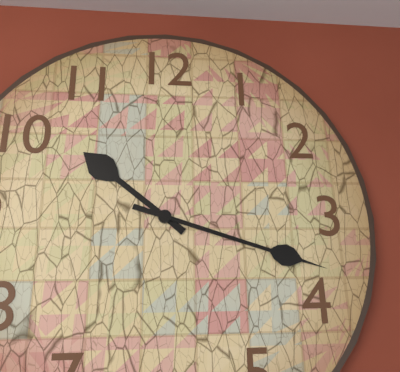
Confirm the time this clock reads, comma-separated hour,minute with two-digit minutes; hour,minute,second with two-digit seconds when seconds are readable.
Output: 10,18
